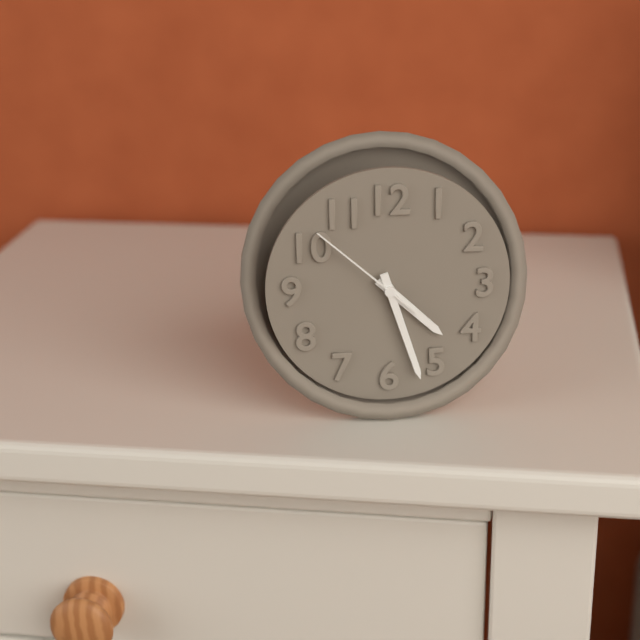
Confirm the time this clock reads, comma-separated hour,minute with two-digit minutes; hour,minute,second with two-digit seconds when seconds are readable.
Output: 4,27,52
